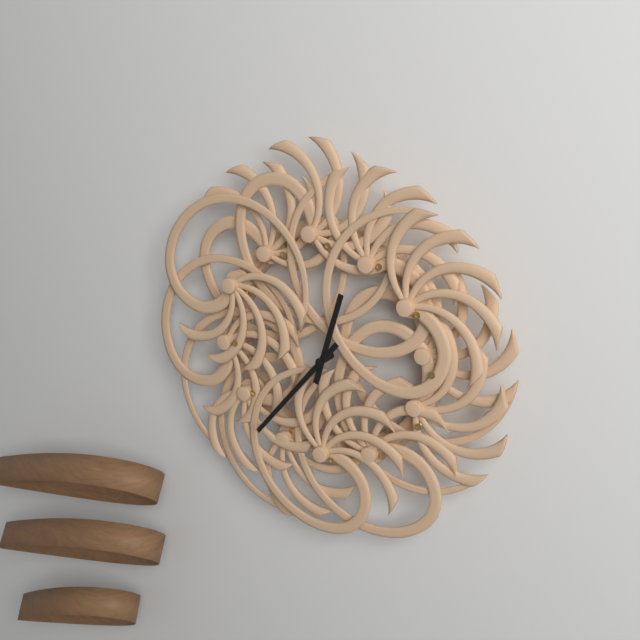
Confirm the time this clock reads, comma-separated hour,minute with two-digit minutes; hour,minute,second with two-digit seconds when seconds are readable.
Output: 12,37
